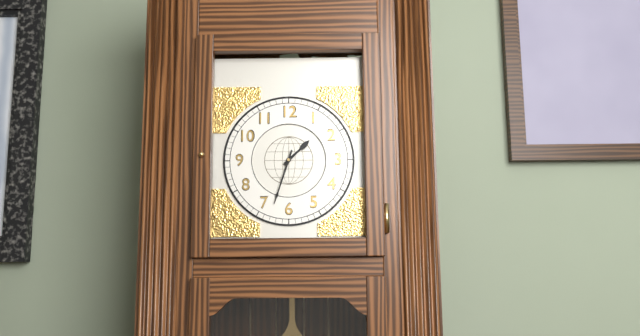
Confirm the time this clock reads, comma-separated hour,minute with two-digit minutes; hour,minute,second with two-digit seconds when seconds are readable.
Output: 1,33
